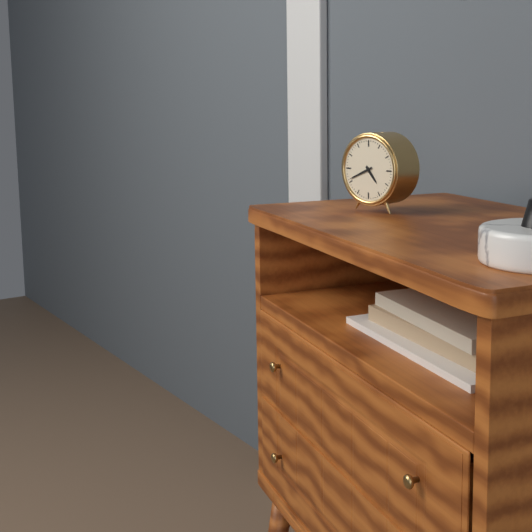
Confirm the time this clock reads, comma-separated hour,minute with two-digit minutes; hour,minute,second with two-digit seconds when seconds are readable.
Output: 4,41
